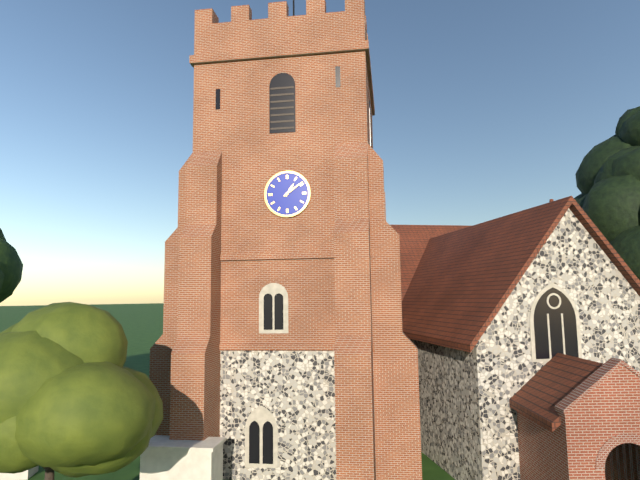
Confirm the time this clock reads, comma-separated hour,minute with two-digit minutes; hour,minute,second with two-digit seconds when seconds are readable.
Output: 1,09
